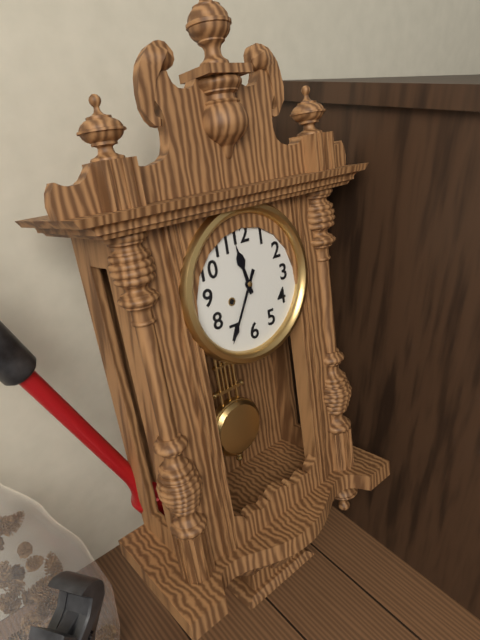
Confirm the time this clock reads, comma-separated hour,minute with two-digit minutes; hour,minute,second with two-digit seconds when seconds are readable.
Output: 11,35
